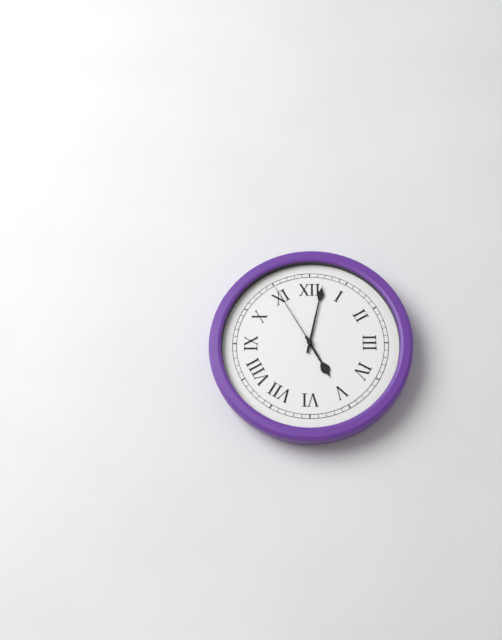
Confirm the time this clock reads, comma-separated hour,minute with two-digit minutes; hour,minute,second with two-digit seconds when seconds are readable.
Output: 5,02,55
